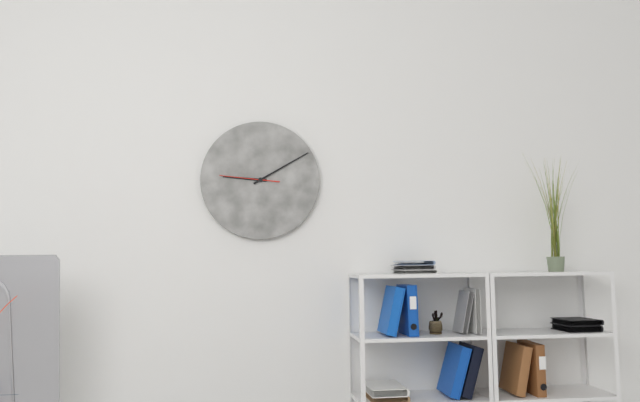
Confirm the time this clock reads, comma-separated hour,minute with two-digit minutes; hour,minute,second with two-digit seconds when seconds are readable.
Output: 9,10,46
